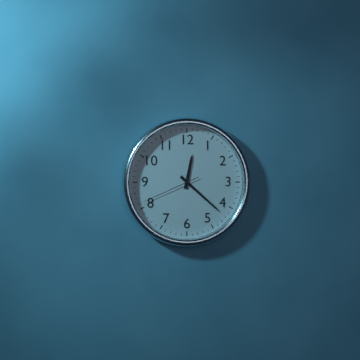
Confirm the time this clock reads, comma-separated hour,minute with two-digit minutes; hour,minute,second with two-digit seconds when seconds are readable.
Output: 12,22,41
